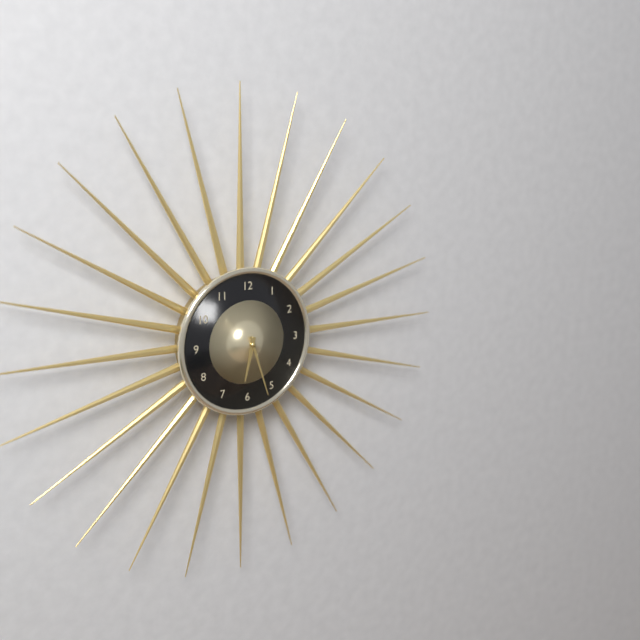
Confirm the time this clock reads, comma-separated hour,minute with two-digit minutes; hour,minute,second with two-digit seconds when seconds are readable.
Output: 6,27
